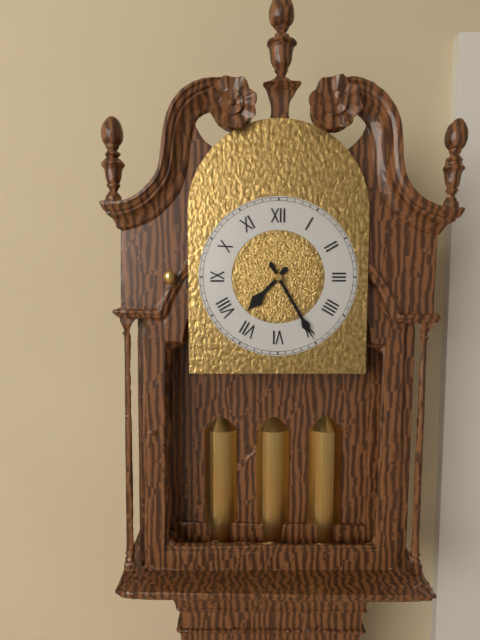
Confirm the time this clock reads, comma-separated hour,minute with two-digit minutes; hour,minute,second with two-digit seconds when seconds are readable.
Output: 7,25
